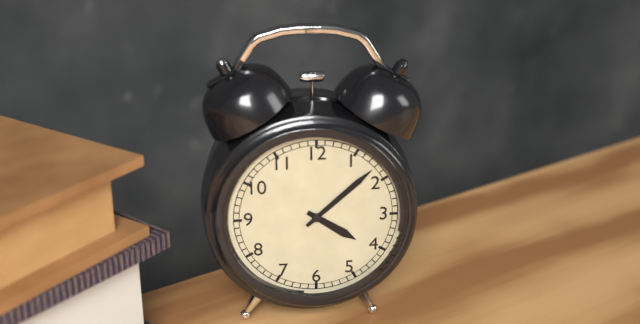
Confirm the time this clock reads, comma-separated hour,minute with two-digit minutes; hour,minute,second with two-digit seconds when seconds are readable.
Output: 4,08
